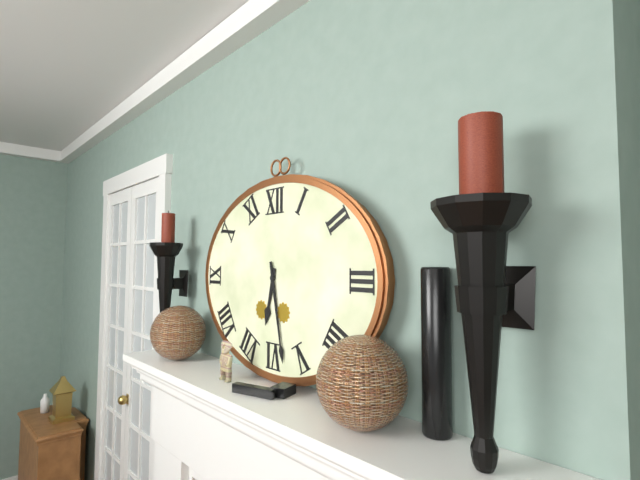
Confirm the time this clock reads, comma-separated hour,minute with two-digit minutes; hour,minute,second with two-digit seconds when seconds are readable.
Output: 6,28
